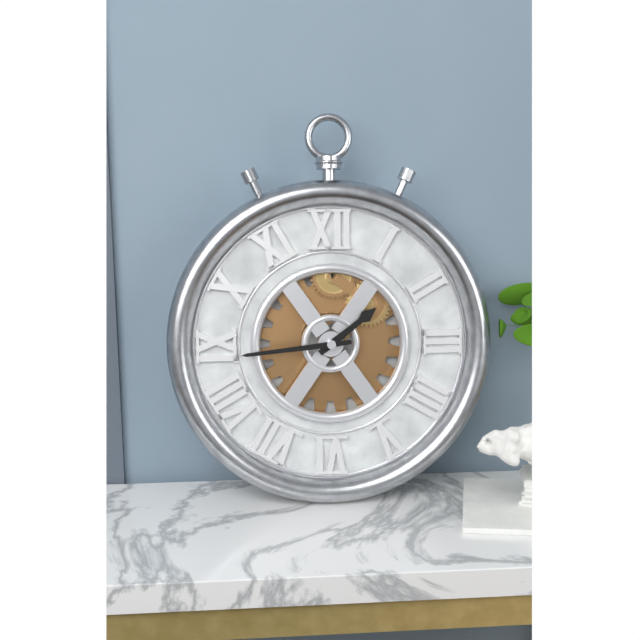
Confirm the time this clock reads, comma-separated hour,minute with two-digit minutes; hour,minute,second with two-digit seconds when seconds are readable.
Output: 1,44
